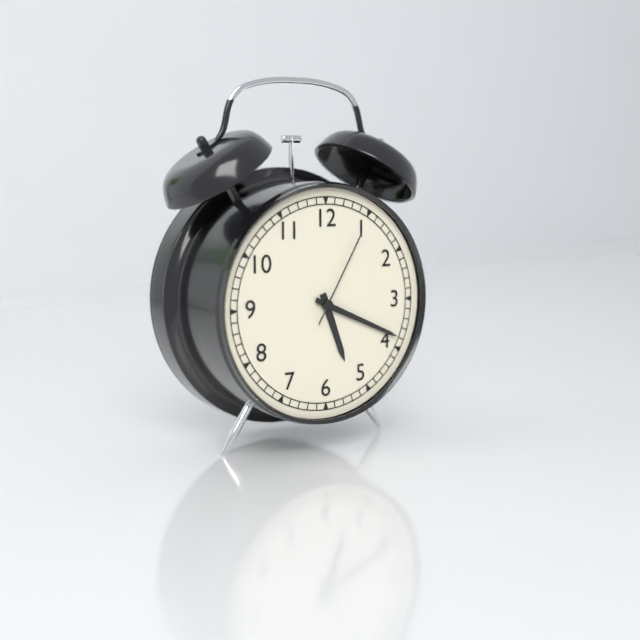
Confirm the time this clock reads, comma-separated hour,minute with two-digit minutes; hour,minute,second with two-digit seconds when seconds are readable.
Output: 5,19,05
